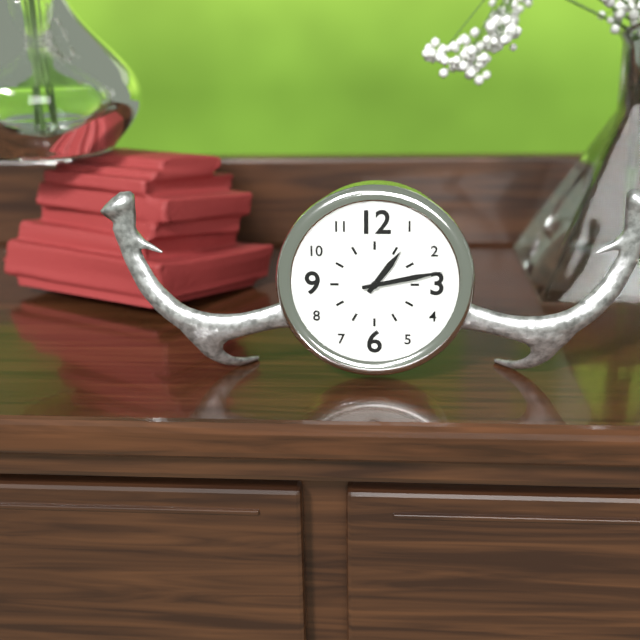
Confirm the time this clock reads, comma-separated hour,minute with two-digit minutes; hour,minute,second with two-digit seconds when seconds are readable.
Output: 1,13
